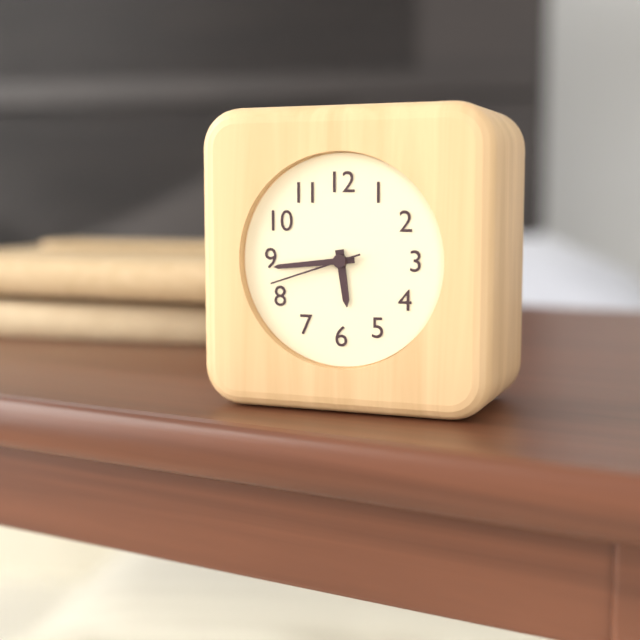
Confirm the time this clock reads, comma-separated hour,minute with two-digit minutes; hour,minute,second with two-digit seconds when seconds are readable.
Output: 5,44,42
